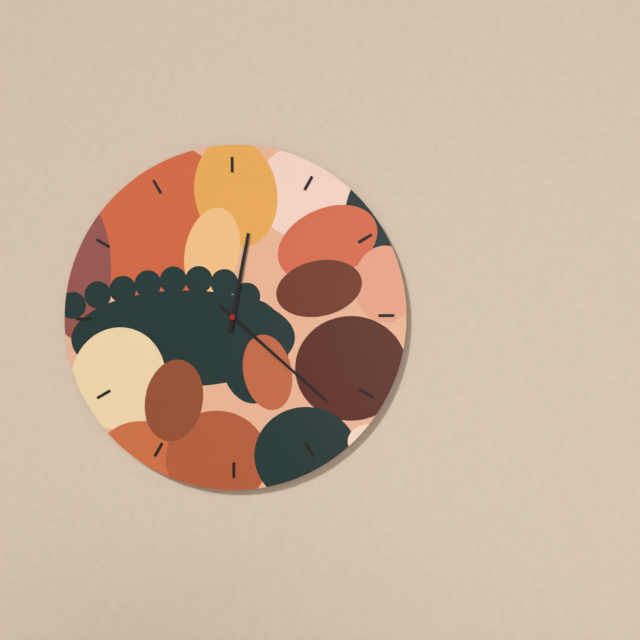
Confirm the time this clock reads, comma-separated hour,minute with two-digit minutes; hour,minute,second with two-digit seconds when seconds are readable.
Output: 12,22
